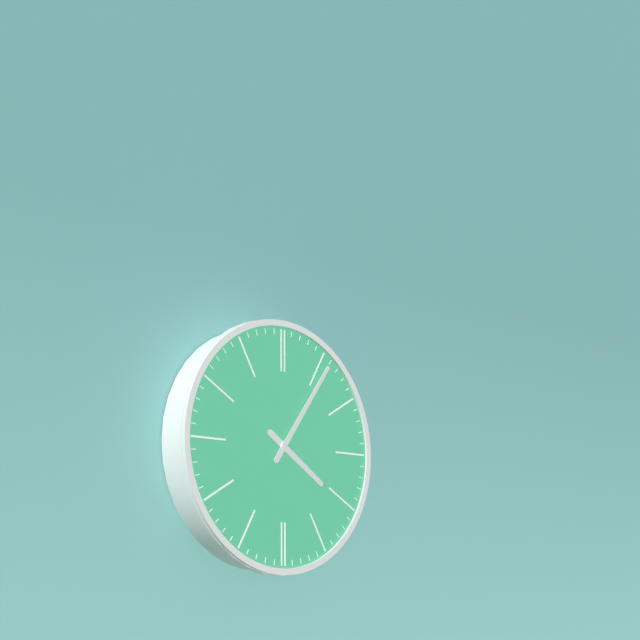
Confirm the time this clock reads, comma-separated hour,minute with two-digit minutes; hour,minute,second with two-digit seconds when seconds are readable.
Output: 4,06
